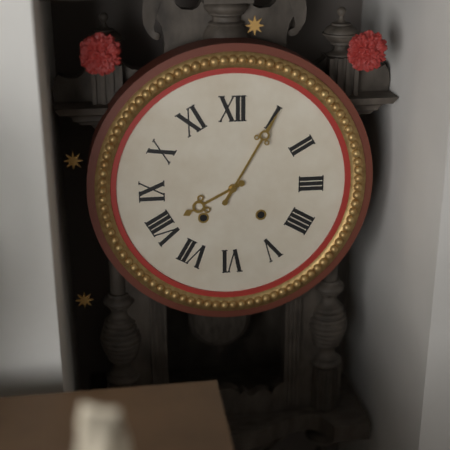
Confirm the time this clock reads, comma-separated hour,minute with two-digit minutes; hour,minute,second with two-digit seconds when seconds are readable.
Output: 8,05
